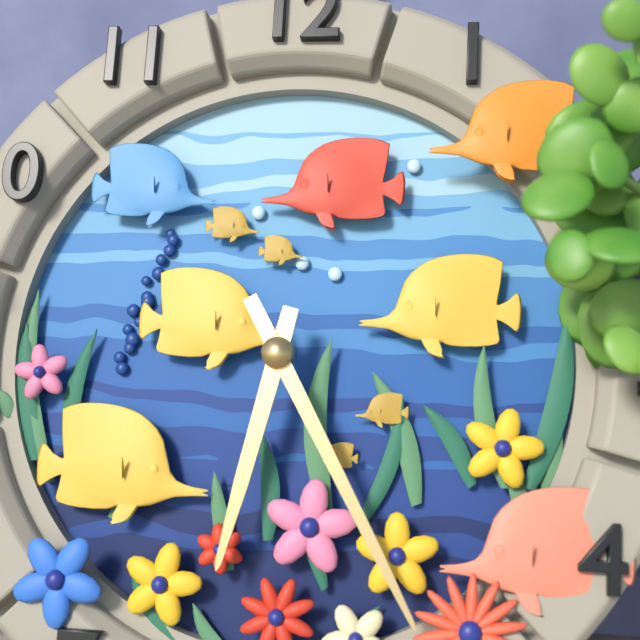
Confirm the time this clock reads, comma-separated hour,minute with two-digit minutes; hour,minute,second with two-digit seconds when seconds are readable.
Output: 6,25
